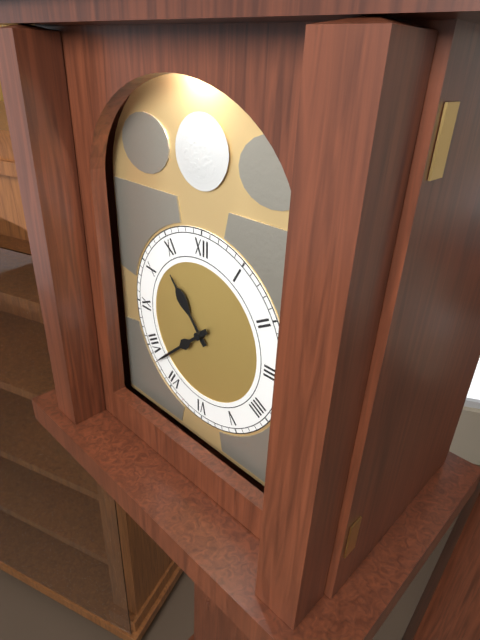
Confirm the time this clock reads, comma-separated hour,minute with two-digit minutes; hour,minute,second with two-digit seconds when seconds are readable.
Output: 10,38
